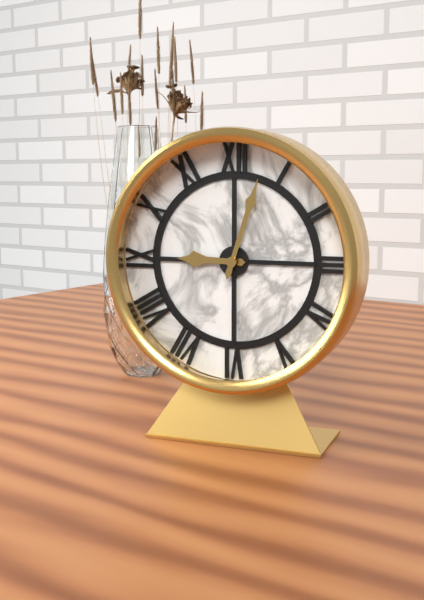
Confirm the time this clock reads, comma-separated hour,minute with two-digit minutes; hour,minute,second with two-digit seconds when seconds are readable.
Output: 9,03
